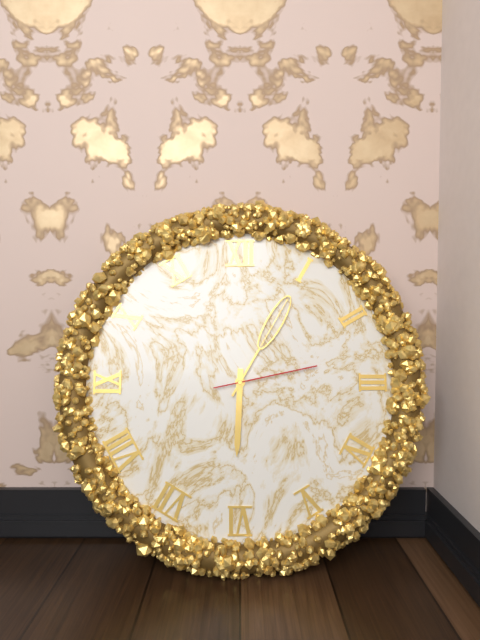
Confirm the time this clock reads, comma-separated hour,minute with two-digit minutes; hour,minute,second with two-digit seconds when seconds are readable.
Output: 6,05,13
